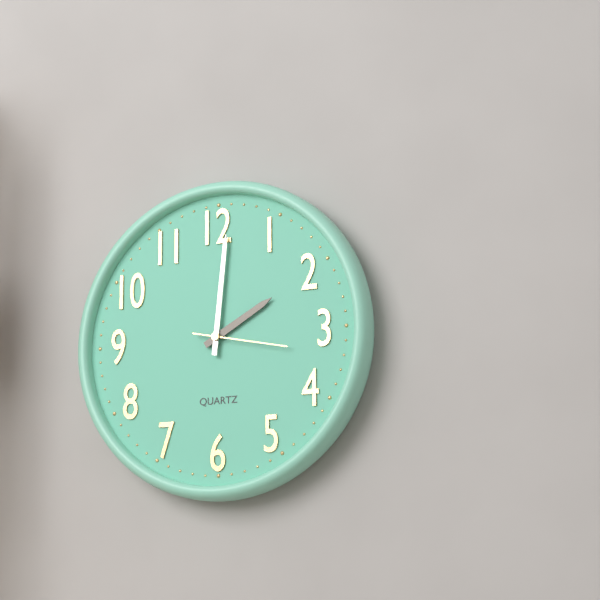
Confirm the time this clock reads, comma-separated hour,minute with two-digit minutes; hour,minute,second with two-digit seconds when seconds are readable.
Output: 2,01,17
